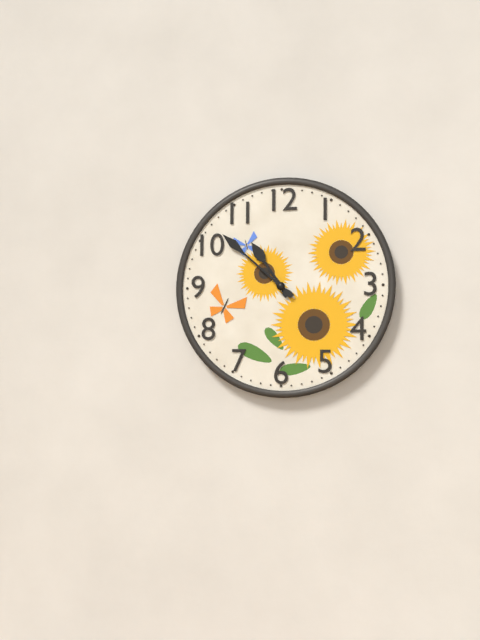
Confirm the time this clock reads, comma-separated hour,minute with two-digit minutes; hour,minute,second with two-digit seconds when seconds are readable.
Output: 10,52
